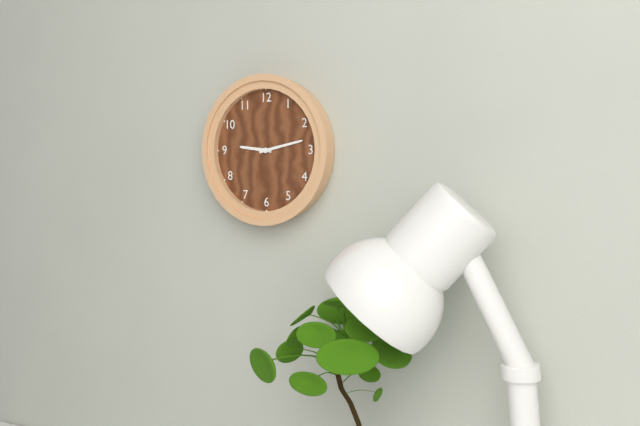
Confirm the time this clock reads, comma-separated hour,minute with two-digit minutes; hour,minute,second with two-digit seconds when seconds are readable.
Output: 9,13
